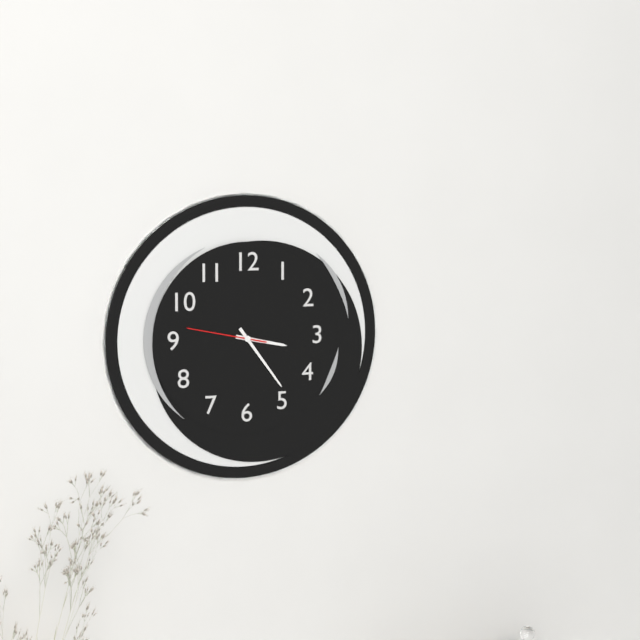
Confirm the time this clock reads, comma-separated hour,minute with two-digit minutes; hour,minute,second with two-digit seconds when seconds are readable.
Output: 3,24,47
